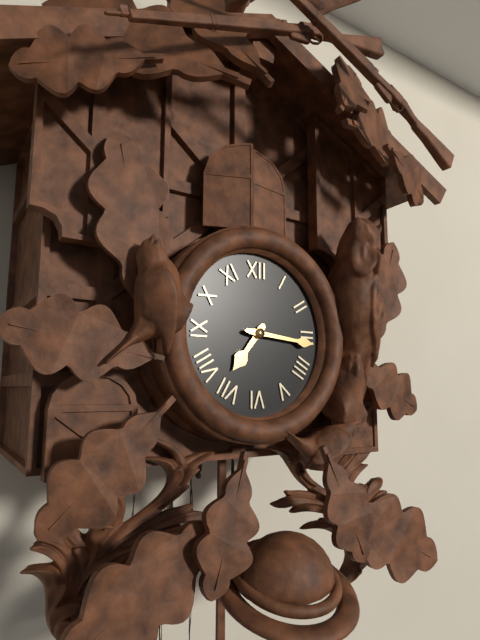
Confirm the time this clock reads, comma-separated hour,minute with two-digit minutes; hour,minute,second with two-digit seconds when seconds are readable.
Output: 7,16
